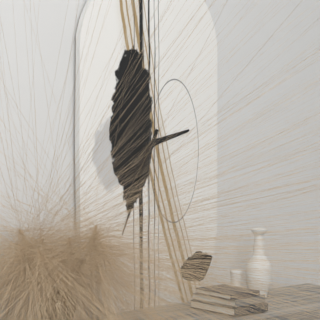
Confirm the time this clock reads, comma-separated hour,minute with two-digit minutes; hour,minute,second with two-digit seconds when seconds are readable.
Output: 2,34
